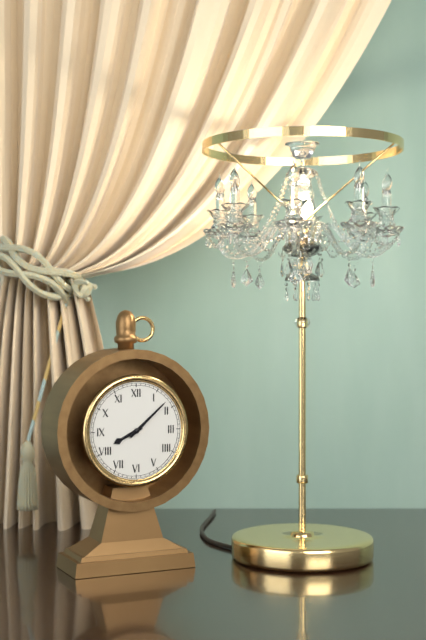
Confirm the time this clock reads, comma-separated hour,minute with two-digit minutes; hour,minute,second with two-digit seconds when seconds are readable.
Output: 8,08
